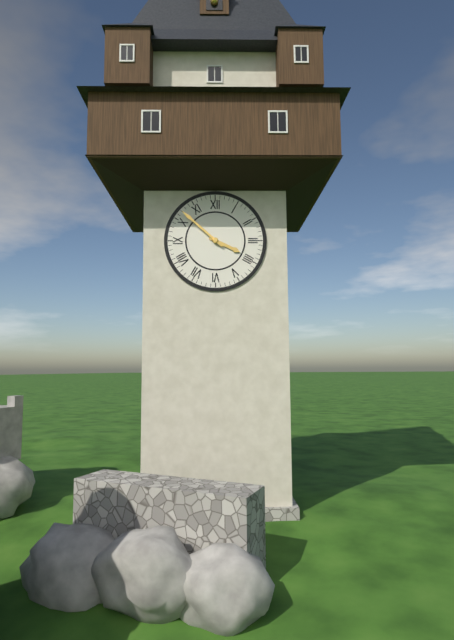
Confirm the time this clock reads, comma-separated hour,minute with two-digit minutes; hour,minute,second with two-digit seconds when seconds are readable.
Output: 3,52
